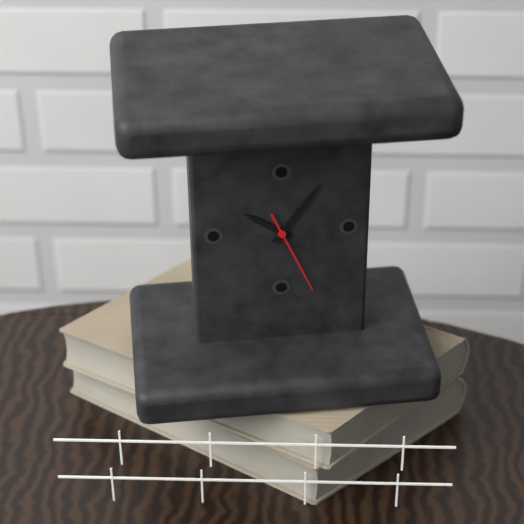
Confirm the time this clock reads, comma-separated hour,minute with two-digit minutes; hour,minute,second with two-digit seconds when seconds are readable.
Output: 10,06,26
